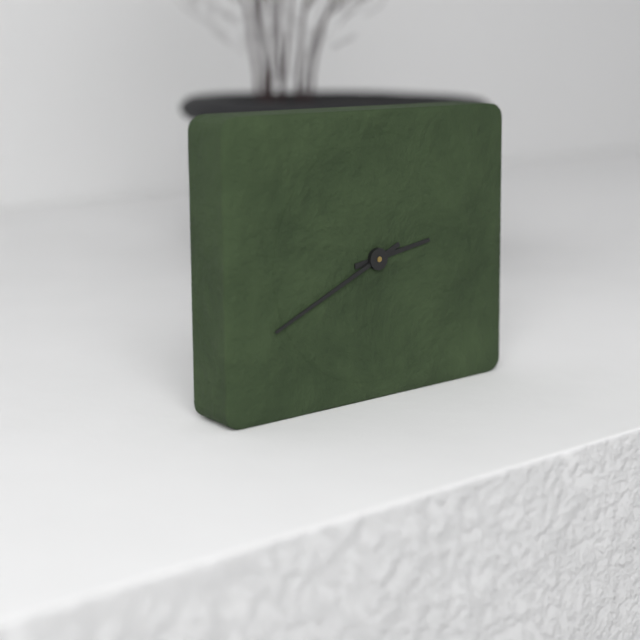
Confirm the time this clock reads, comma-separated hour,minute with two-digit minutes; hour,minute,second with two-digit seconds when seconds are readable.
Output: 2,41
